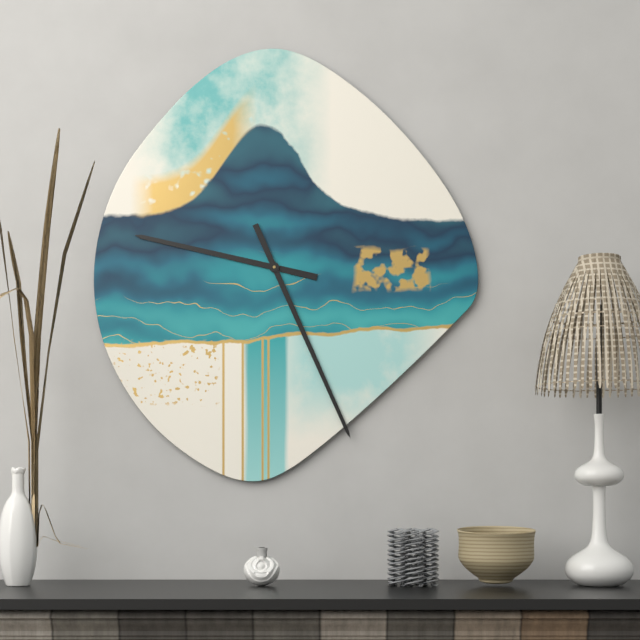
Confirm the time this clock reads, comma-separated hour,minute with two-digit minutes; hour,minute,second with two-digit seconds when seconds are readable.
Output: 9,26
